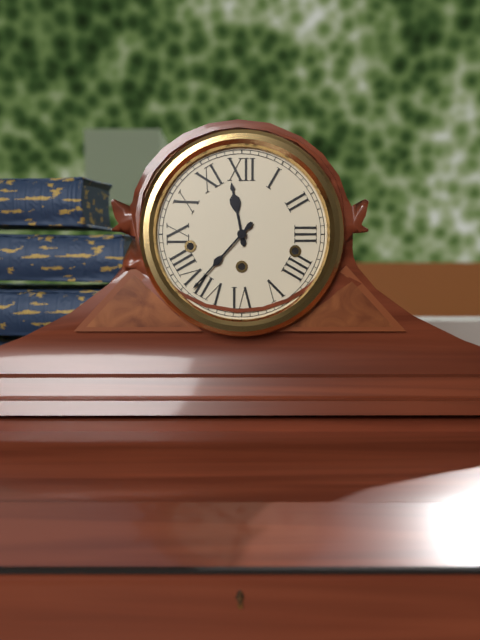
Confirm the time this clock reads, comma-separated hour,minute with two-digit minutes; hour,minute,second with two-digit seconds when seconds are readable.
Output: 11,37
